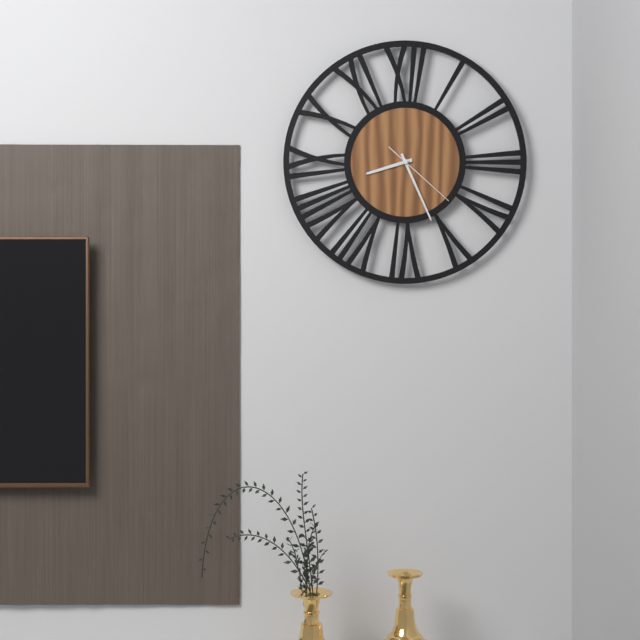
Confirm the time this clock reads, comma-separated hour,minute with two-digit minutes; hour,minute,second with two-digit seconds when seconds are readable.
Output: 8,26,22
